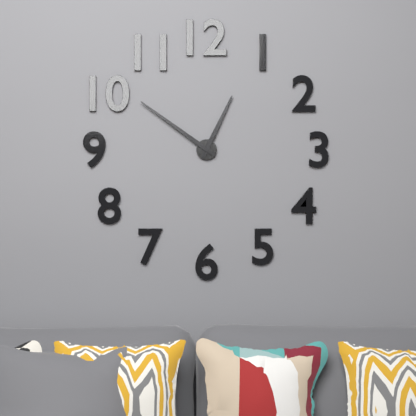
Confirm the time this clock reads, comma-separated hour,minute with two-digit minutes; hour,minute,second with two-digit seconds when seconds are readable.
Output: 12,51
